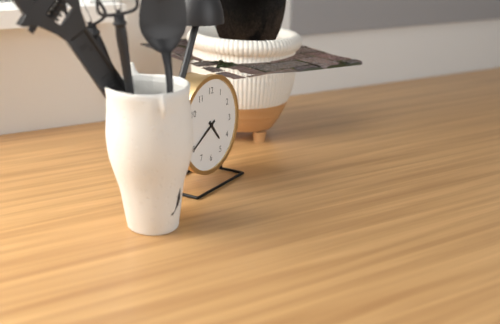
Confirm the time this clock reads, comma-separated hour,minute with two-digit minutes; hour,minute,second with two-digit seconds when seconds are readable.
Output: 4,40
